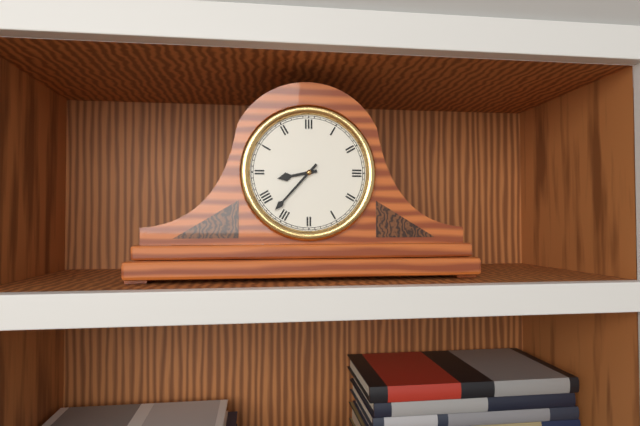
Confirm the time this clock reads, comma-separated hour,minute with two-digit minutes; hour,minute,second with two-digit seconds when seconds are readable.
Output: 8,37
